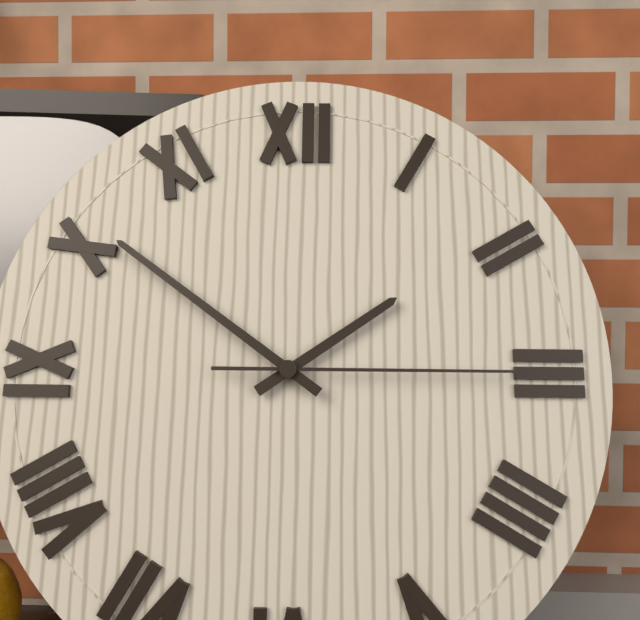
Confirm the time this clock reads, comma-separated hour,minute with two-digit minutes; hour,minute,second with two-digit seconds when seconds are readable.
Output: 1,51,15
